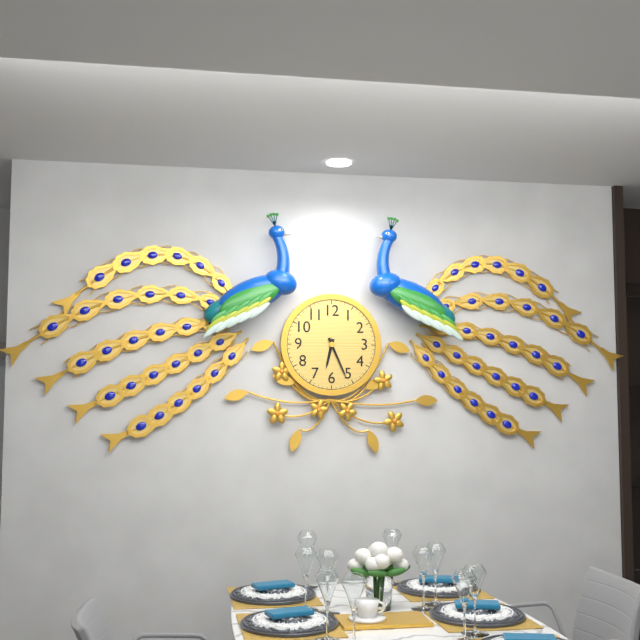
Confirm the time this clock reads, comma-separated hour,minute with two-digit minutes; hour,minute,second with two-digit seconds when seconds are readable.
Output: 6,26
